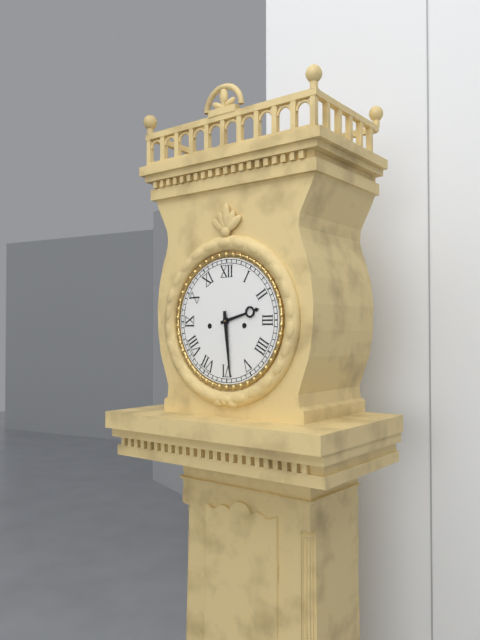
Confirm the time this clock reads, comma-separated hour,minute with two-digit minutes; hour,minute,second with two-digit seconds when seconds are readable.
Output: 2,29
